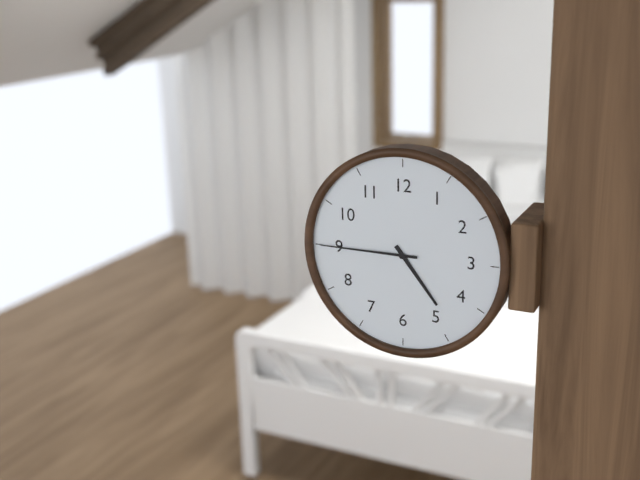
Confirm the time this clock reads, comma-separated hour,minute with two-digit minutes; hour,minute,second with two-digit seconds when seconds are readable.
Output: 4,45
